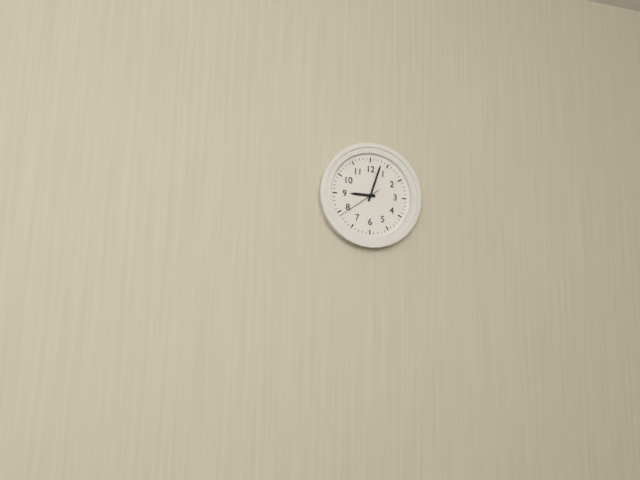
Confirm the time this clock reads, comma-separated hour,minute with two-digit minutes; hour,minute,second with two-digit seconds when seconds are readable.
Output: 9,03
